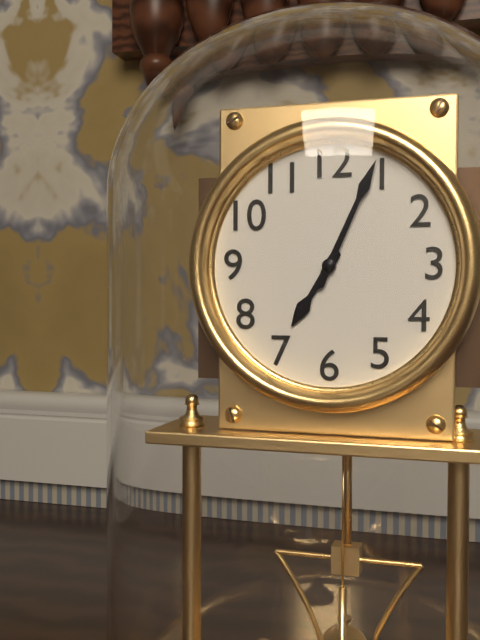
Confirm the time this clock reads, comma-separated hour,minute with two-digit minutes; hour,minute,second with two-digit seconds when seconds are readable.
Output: 7,04
